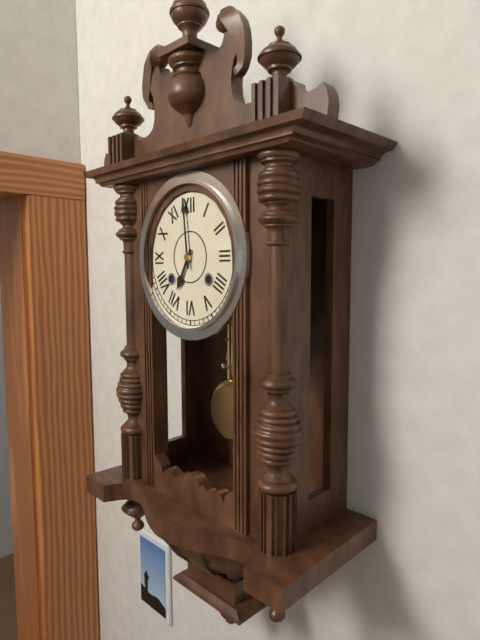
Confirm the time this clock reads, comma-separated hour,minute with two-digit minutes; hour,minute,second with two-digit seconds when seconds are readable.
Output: 6,59
